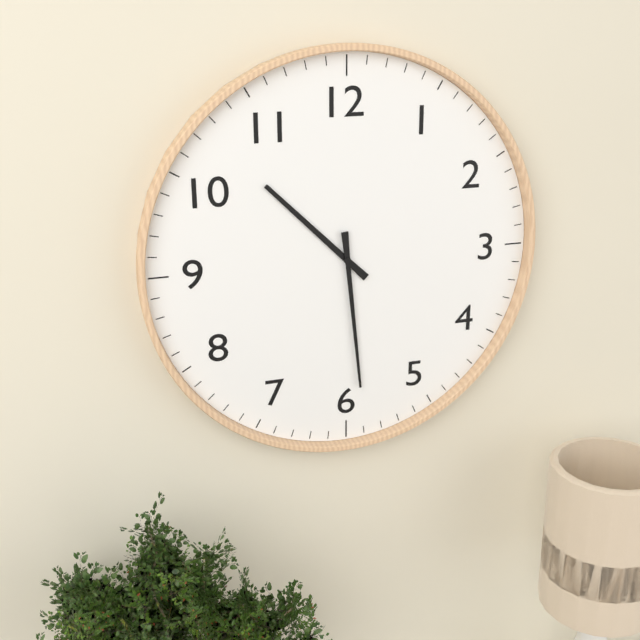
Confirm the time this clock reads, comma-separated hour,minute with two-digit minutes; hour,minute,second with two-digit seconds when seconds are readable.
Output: 10,29
